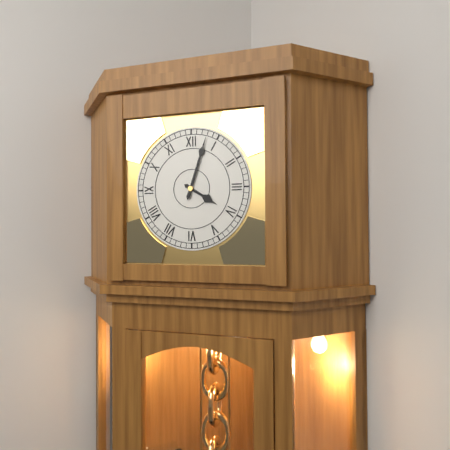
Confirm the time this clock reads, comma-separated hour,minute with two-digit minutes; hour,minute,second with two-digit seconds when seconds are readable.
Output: 4,03
